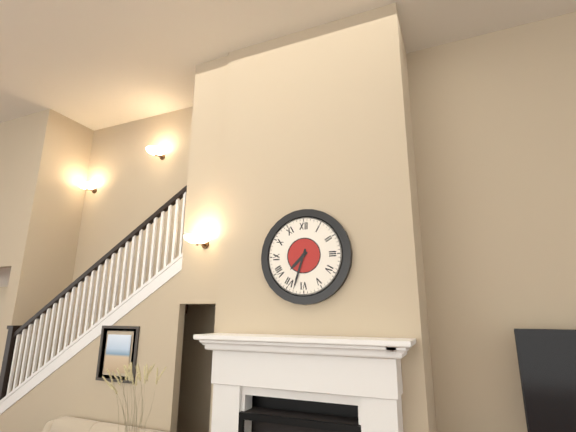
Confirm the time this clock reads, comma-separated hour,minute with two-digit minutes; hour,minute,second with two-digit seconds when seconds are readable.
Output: 7,33
